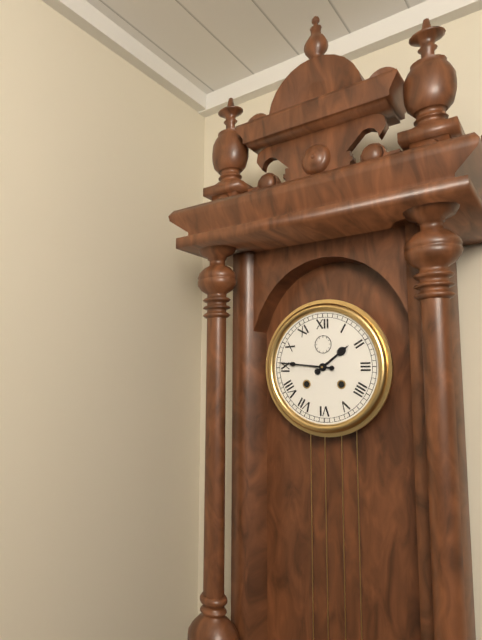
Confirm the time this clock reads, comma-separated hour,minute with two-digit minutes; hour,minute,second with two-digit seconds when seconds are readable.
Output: 1,46
